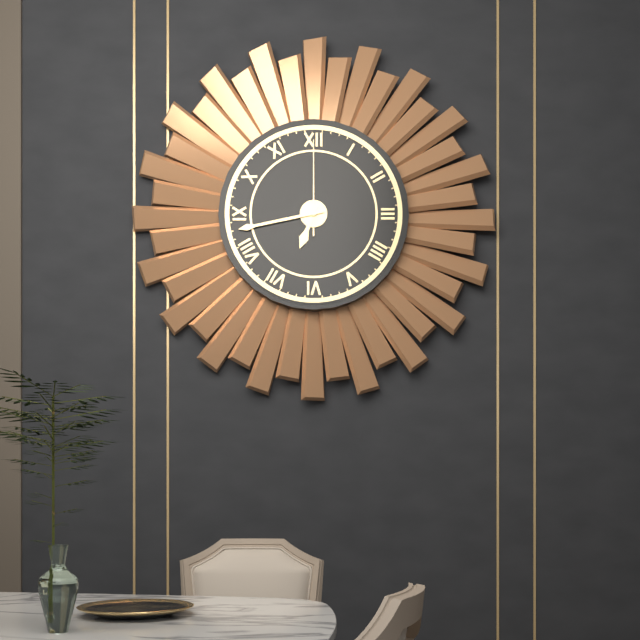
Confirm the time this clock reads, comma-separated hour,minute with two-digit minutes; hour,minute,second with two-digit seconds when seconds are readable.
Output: 6,43,00
